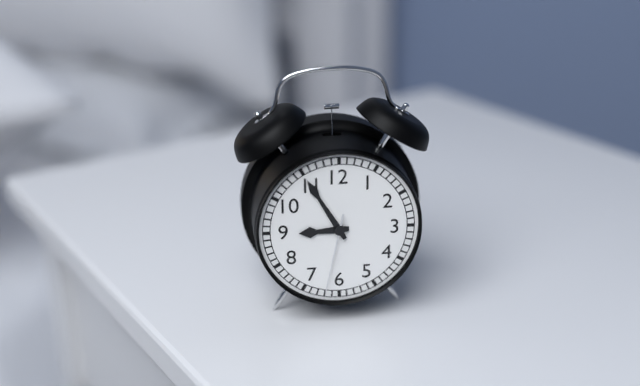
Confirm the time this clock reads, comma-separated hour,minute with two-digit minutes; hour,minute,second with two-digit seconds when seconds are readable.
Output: 8,55,32
